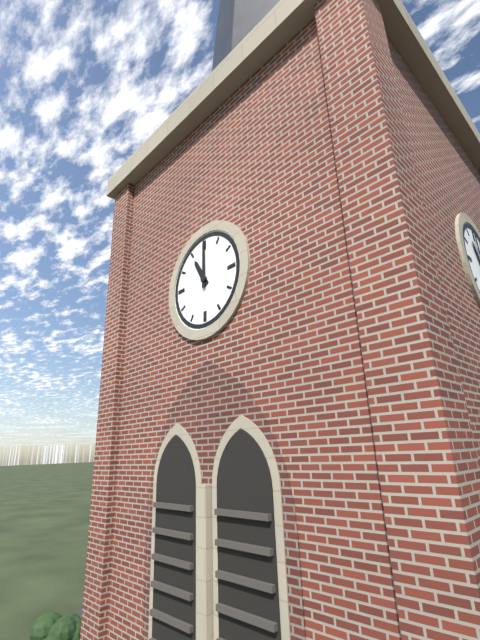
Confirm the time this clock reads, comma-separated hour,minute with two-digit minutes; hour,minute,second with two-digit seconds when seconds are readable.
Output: 11,00
